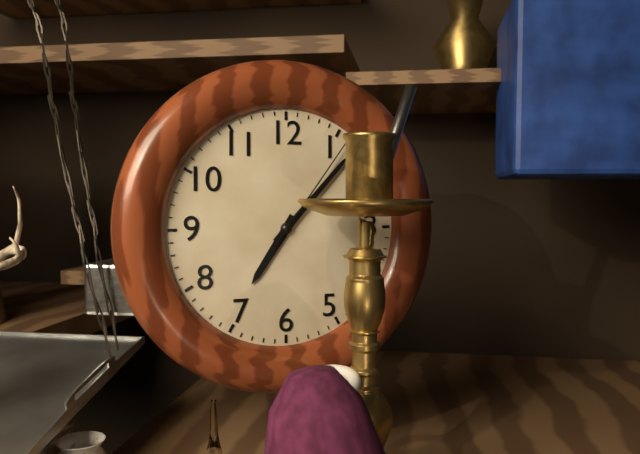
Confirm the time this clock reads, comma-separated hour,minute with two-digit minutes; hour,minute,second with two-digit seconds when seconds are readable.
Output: 7,07,06
